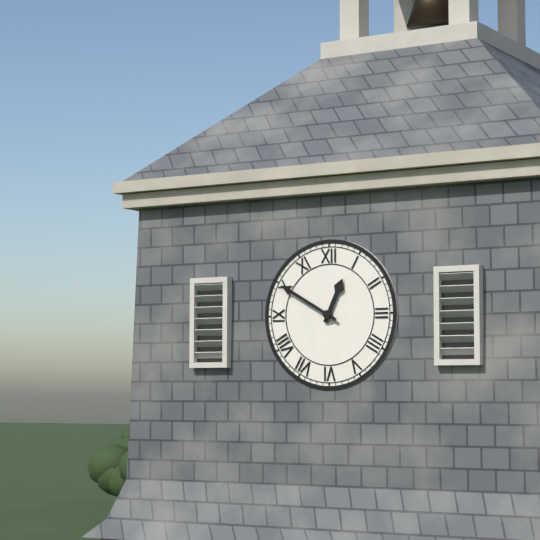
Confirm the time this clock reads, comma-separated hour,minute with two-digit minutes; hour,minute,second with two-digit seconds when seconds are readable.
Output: 12,50
